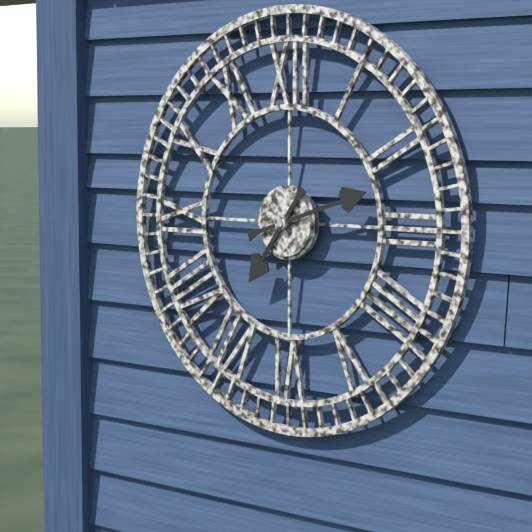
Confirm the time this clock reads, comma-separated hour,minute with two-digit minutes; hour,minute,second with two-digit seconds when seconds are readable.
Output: 7,12
